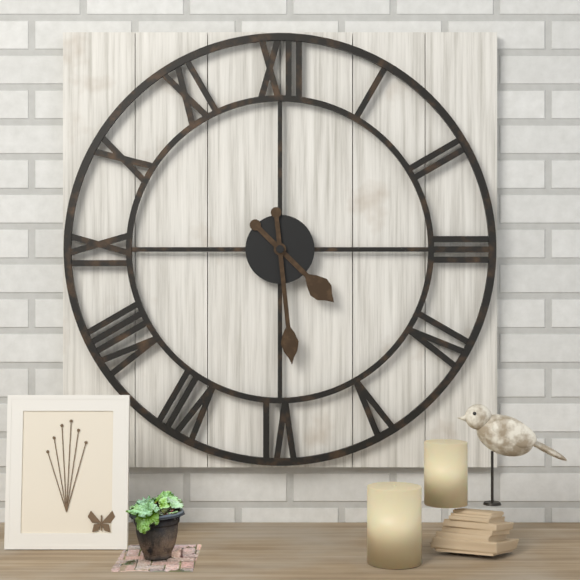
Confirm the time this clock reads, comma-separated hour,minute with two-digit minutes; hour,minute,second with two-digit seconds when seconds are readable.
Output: 4,29
